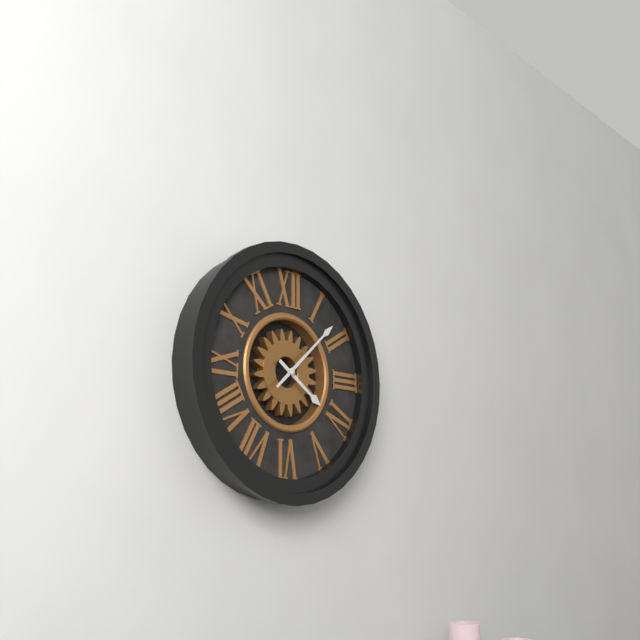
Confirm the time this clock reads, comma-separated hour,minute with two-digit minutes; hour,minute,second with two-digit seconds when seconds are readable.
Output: 4,08
